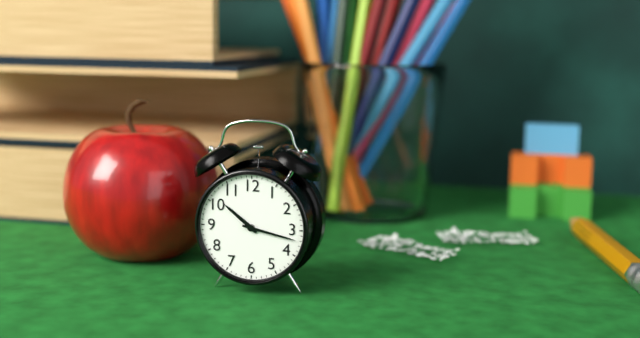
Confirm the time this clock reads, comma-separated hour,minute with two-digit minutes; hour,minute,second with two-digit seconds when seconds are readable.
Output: 10,17
